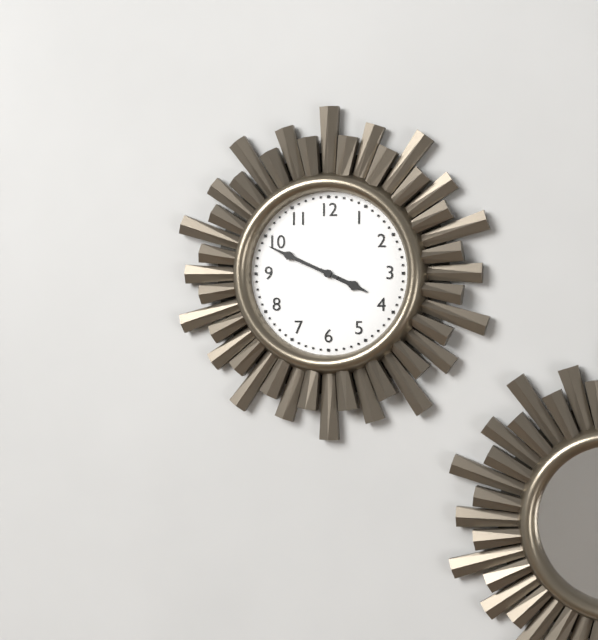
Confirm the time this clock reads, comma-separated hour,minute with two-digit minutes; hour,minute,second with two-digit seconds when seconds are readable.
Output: 3,49
